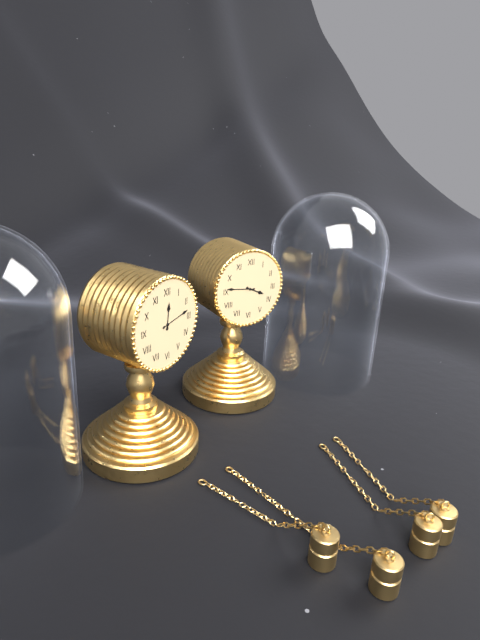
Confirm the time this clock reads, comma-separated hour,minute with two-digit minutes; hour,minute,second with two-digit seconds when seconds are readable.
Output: 12,13
